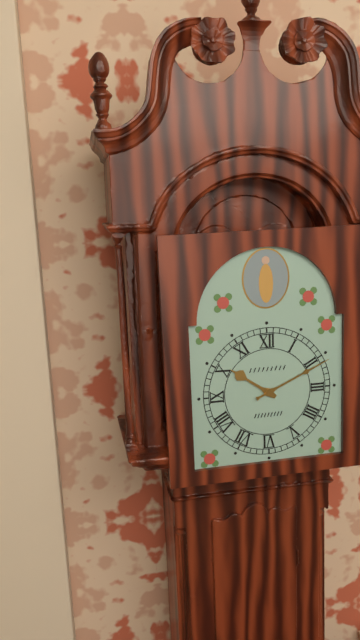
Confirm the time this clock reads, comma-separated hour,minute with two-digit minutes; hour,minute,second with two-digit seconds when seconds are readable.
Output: 10,11
